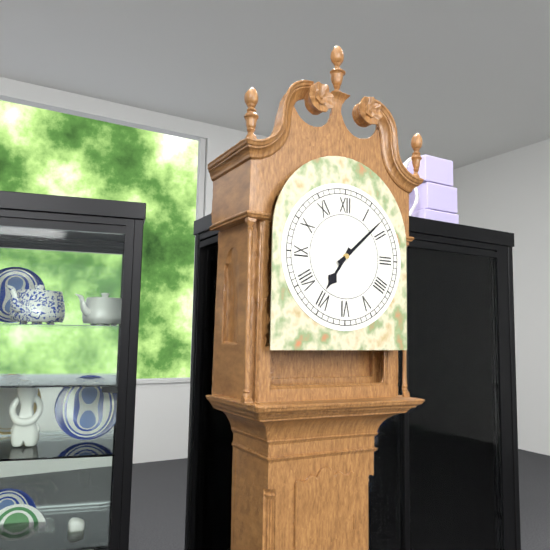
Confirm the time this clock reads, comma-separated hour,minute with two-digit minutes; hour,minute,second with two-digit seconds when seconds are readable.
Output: 7,08
